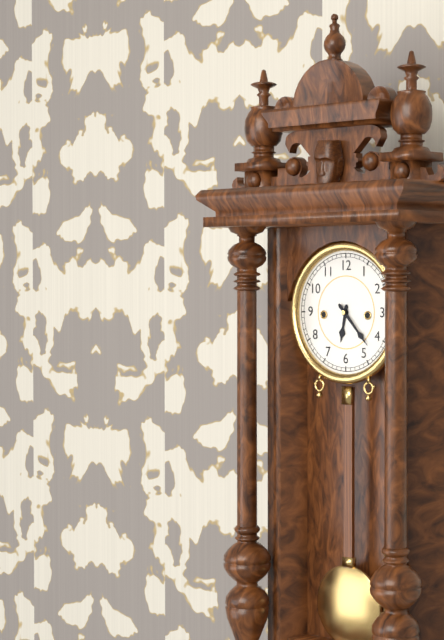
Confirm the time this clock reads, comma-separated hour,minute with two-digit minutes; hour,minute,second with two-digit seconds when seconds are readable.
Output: 6,23
